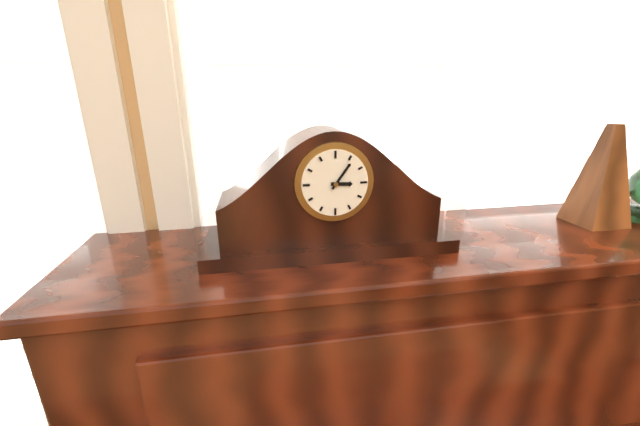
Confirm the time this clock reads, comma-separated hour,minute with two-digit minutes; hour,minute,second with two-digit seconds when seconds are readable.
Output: 3,06
